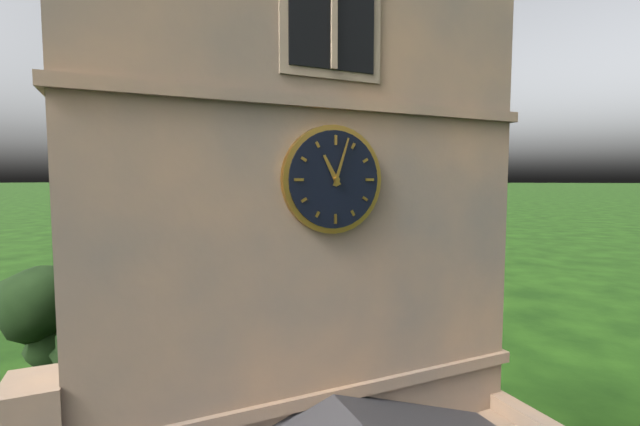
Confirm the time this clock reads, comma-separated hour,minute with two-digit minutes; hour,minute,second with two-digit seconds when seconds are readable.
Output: 11,03
